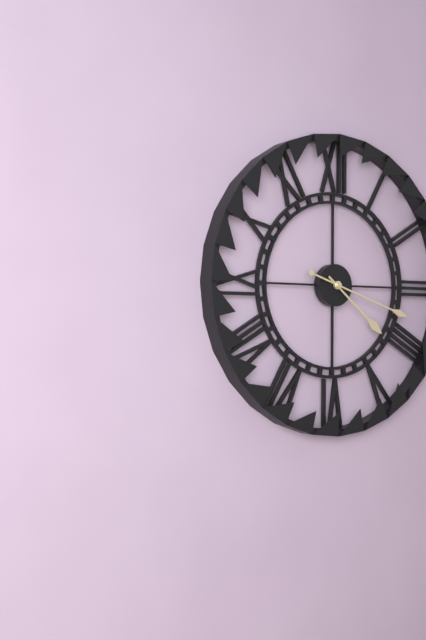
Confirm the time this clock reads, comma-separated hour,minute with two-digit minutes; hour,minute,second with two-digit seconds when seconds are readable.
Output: 4,18
